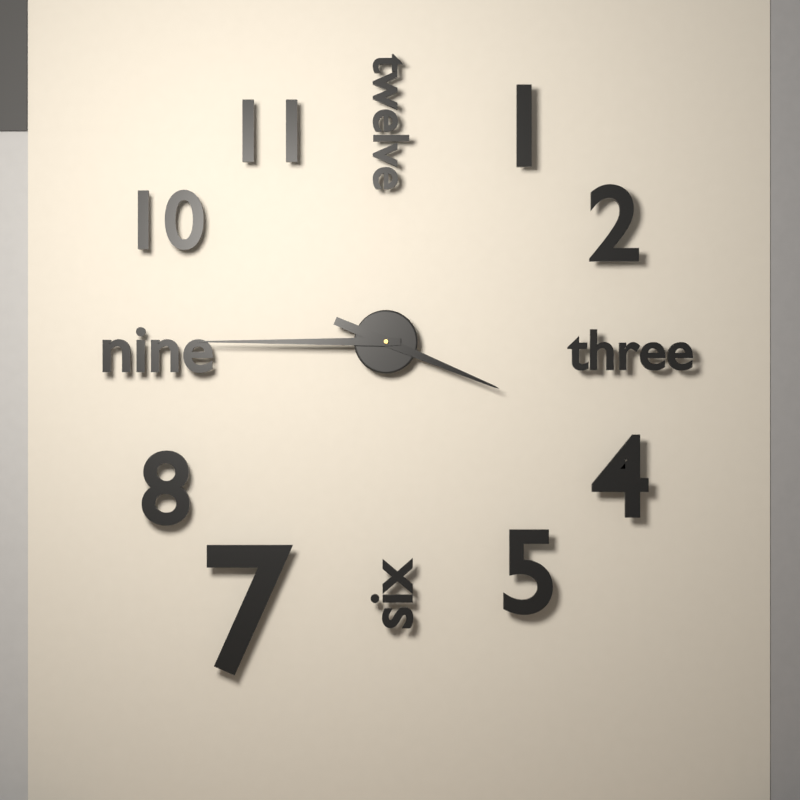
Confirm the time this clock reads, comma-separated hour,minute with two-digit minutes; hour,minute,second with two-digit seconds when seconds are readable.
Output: 3,45
